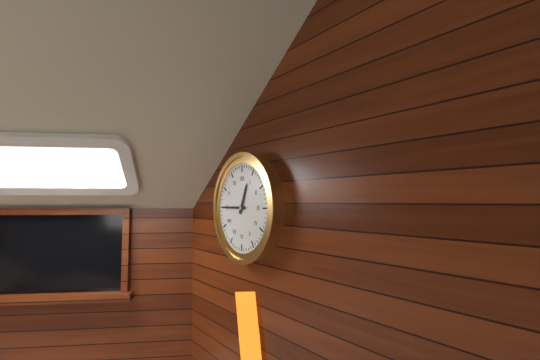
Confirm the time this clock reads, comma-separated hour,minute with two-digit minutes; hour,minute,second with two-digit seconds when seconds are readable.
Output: 12,45
